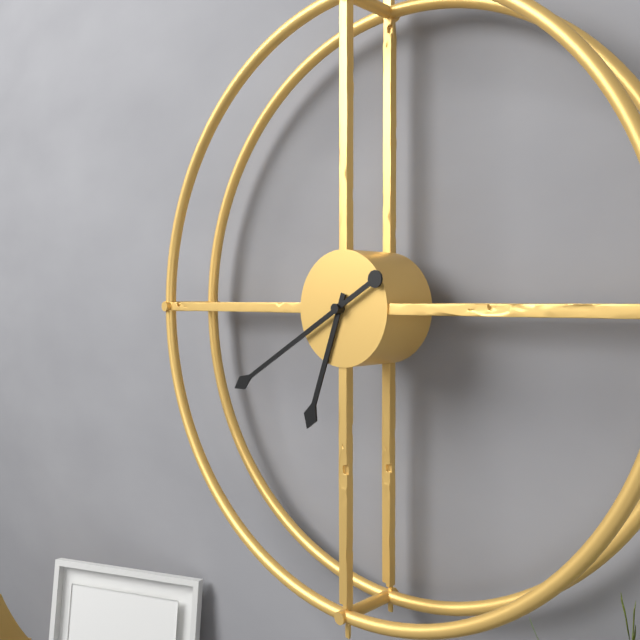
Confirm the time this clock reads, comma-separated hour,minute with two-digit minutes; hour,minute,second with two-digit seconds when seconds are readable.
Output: 6,40
